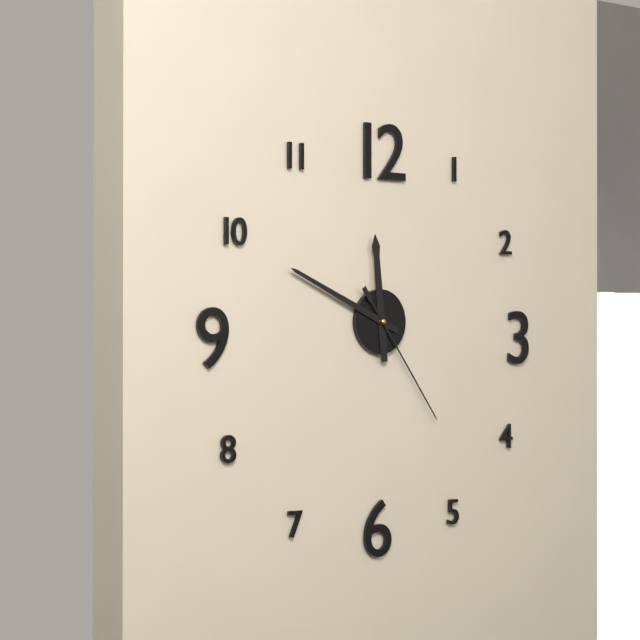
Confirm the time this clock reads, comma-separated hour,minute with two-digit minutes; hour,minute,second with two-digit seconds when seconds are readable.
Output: 11,49,24
